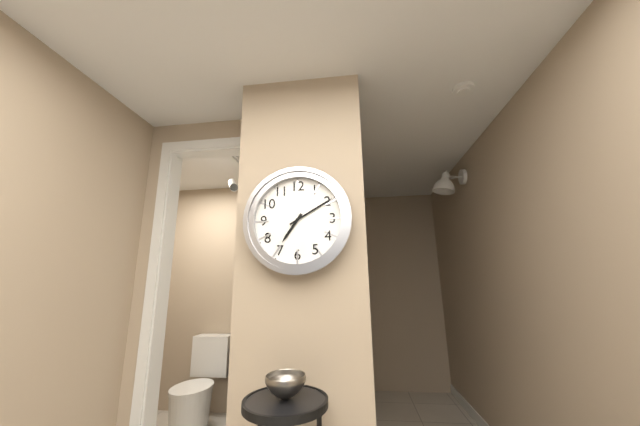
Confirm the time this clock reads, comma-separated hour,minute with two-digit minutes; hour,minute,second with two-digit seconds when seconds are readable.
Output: 7,10
